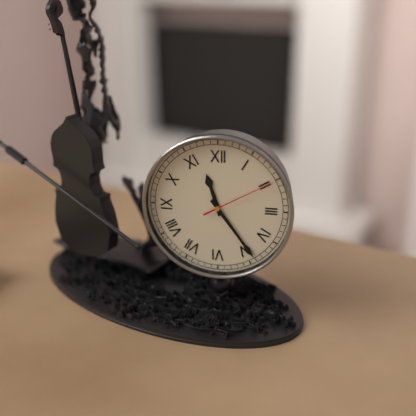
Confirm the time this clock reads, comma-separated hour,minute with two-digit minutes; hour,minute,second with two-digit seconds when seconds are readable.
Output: 11,24,10
